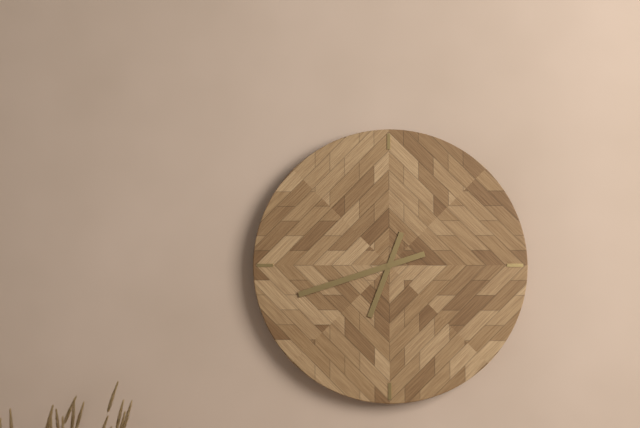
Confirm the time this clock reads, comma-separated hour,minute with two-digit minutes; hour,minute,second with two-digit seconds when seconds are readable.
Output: 6,42
